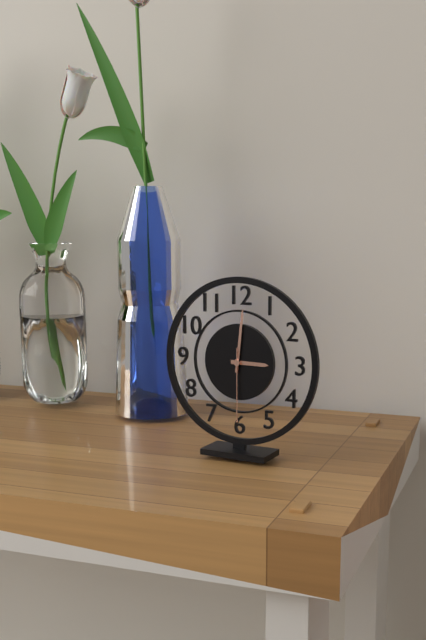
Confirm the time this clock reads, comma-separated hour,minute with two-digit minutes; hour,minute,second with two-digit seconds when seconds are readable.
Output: 3,01,30
